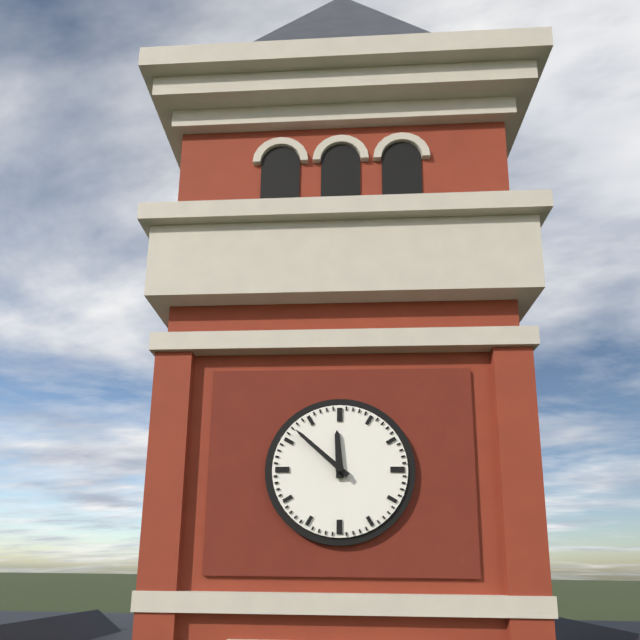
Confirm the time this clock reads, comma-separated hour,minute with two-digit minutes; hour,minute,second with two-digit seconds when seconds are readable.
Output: 11,52
